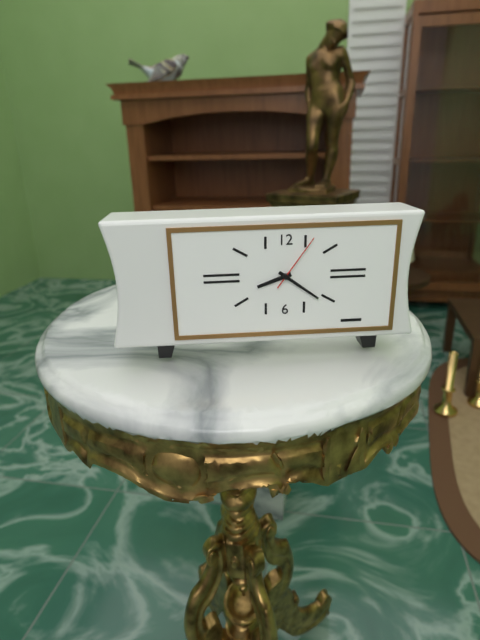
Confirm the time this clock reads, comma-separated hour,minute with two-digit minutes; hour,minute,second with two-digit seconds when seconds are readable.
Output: 8,21,06
